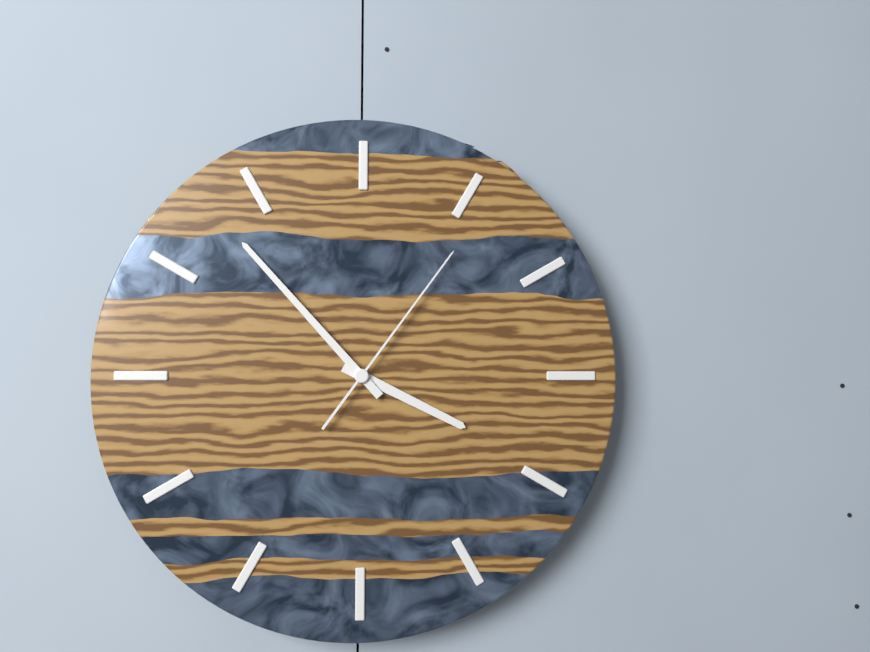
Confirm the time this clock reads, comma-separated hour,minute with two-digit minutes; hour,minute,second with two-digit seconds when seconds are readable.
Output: 3,53,06
